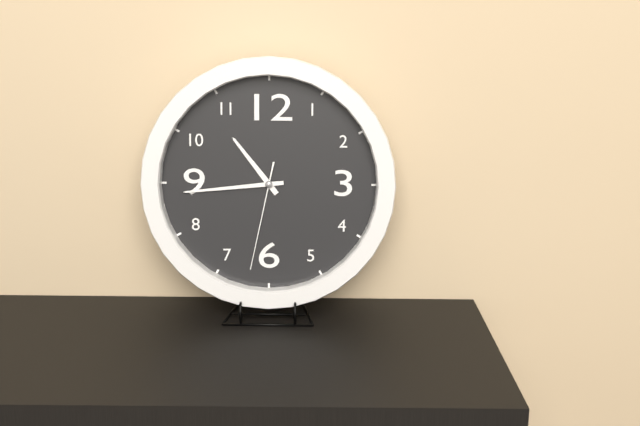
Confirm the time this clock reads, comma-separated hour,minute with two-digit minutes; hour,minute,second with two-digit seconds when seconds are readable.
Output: 10,44,32
